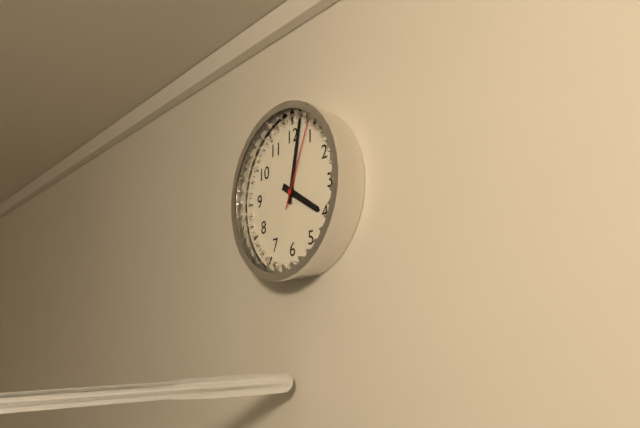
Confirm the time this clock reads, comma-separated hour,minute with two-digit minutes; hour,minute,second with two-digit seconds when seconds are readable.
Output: 4,02,04
